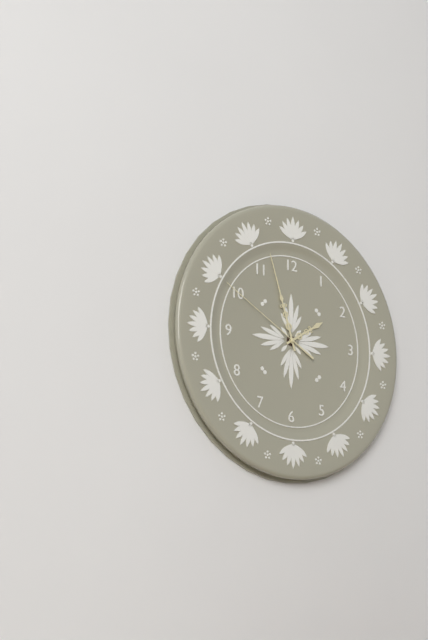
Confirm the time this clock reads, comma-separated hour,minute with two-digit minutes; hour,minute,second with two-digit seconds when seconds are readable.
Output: 1,57,50
